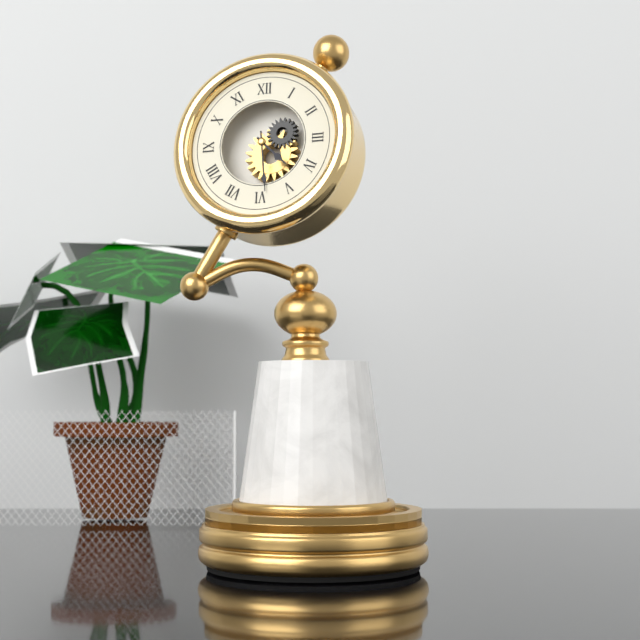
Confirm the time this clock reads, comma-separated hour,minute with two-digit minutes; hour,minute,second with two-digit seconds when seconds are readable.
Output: 4,29
